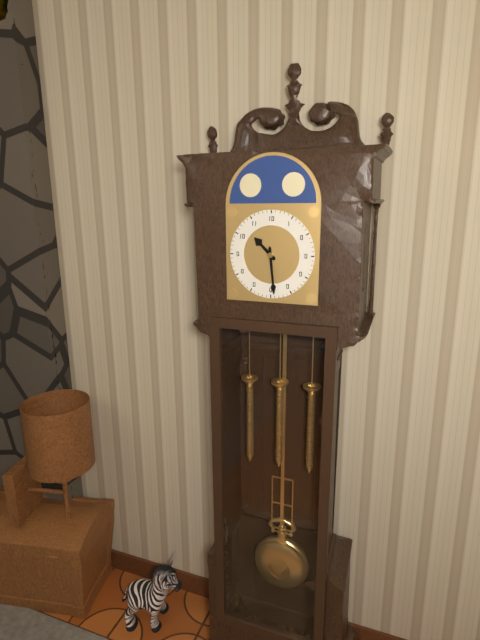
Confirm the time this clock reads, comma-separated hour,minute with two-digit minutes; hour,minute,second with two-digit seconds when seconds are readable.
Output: 10,29
